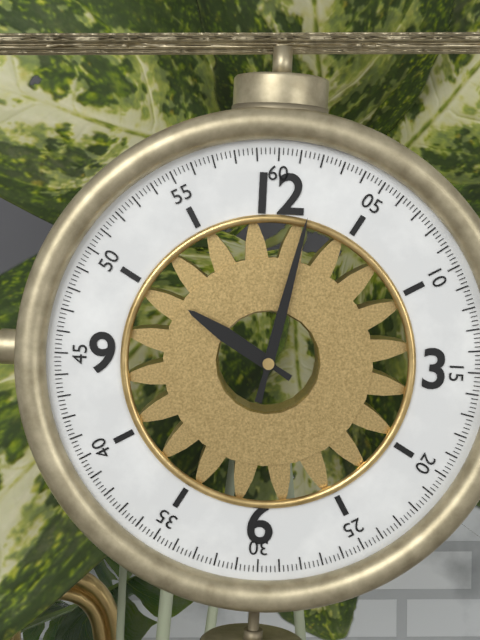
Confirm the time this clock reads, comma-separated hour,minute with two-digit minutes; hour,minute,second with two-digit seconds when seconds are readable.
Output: 10,02
